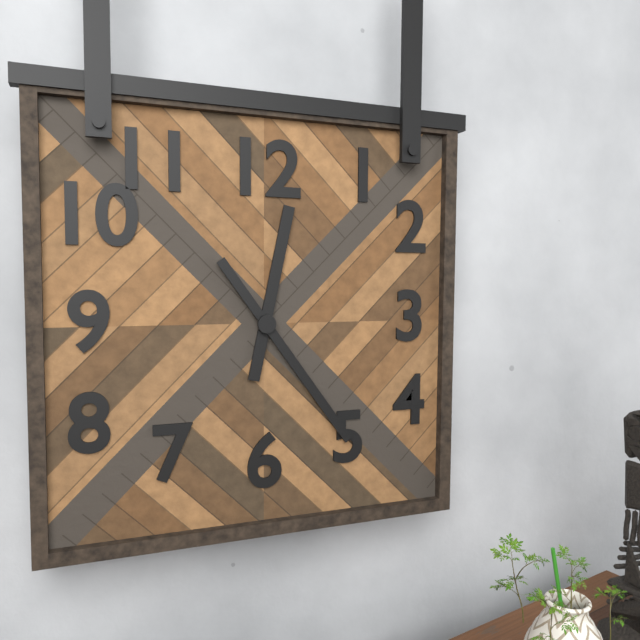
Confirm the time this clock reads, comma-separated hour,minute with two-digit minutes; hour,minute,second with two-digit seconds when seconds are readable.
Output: 12,24
